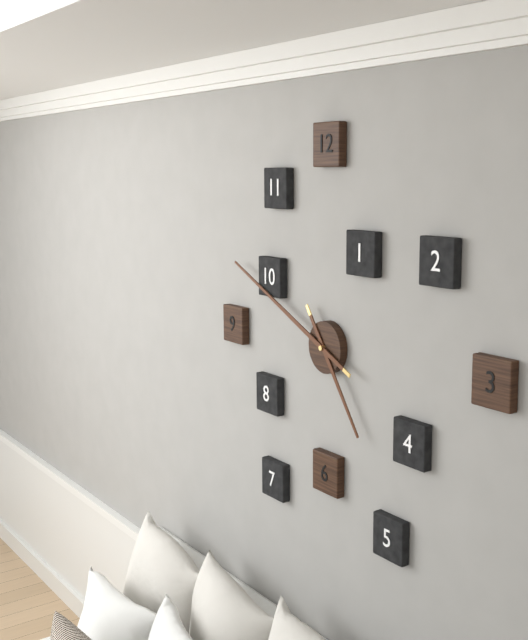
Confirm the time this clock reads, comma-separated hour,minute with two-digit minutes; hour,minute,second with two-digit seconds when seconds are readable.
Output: 4,49
